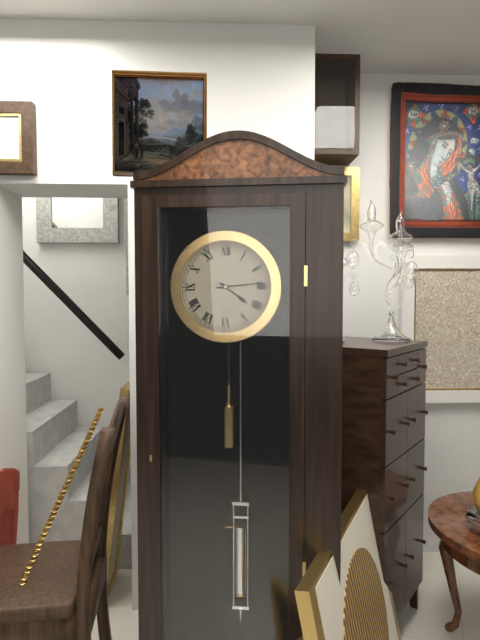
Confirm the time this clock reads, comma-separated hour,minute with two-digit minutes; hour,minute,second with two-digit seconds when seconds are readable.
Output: 4,14
